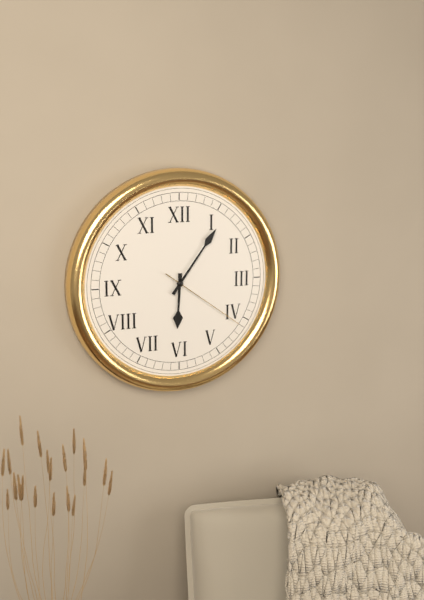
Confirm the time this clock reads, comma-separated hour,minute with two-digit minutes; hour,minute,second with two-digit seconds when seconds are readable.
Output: 6,06,21
